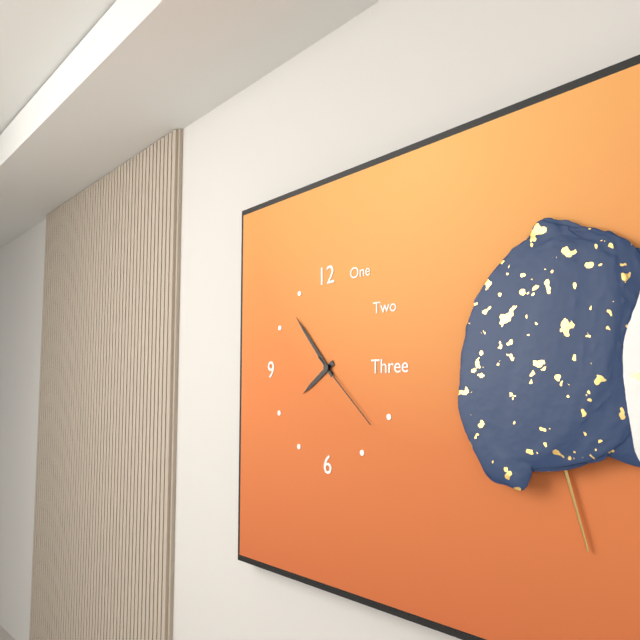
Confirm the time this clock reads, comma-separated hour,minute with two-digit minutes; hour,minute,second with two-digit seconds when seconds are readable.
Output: 7,53,22
